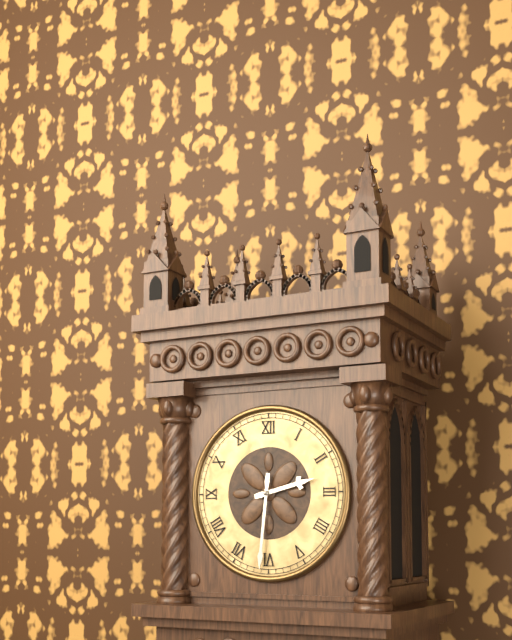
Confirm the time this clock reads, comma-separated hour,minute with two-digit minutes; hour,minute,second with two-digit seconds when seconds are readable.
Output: 2,31
